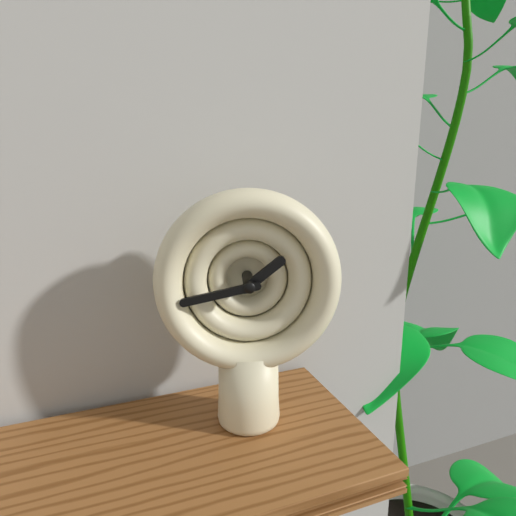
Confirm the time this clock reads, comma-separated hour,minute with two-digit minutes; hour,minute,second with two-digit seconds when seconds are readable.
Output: 1,43
